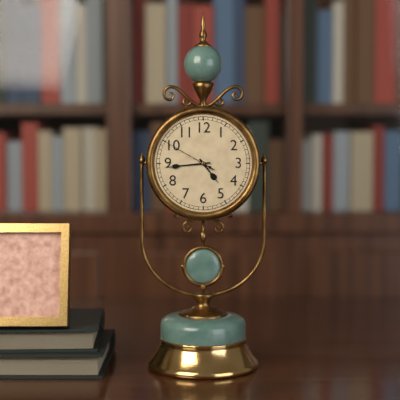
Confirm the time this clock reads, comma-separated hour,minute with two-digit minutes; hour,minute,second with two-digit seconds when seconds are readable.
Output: 4,44,50
